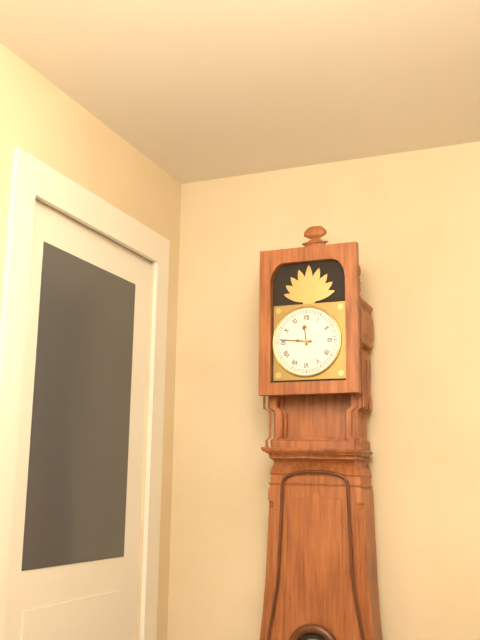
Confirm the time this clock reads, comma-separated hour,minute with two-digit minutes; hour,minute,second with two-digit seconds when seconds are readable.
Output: 11,46
